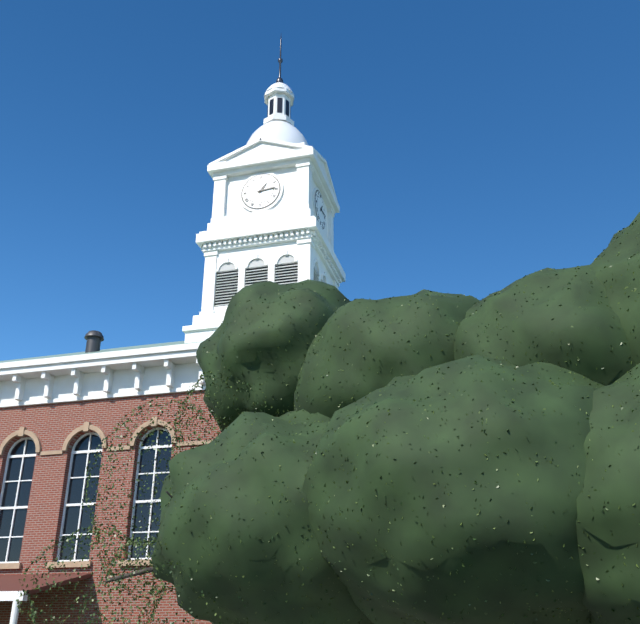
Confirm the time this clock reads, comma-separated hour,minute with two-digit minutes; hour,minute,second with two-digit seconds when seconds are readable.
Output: 1,14
